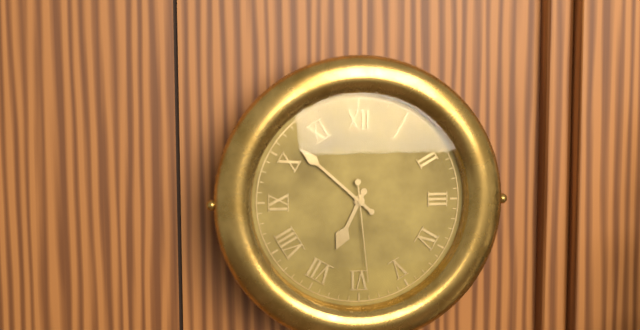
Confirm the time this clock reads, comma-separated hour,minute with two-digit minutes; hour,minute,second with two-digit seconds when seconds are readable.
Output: 6,52,29
